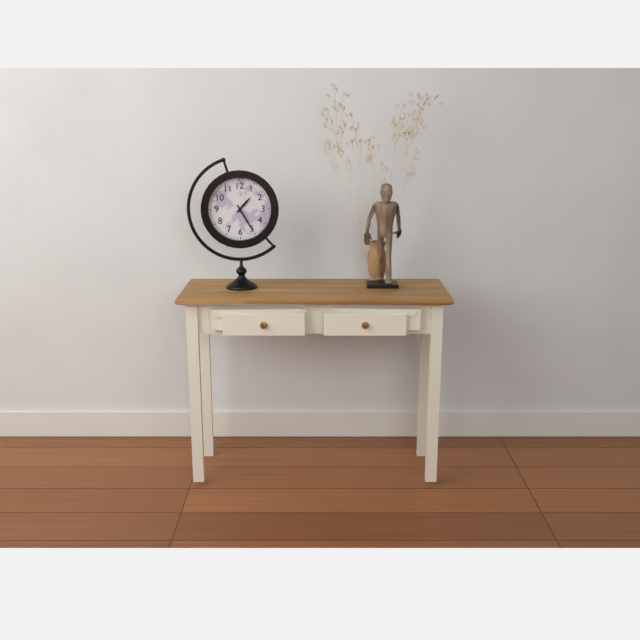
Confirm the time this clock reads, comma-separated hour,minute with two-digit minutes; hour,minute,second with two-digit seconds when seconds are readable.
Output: 1,25
